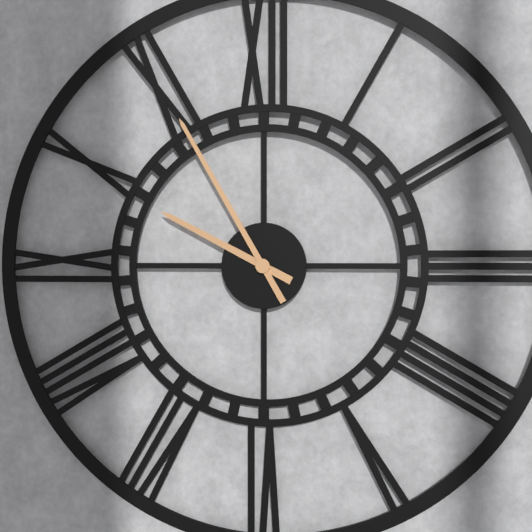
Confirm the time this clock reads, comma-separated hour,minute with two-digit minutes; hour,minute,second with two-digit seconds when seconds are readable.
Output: 9,55
